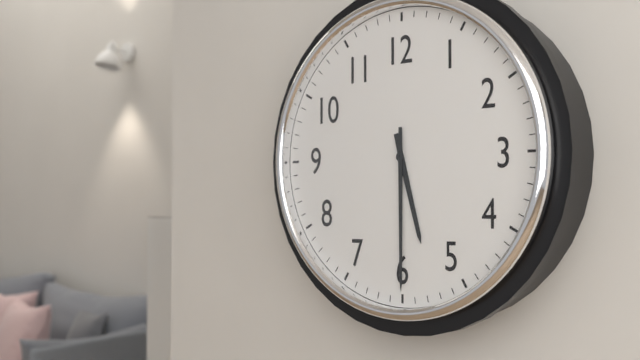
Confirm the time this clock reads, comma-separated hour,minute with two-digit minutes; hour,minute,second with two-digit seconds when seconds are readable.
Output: 5,30
